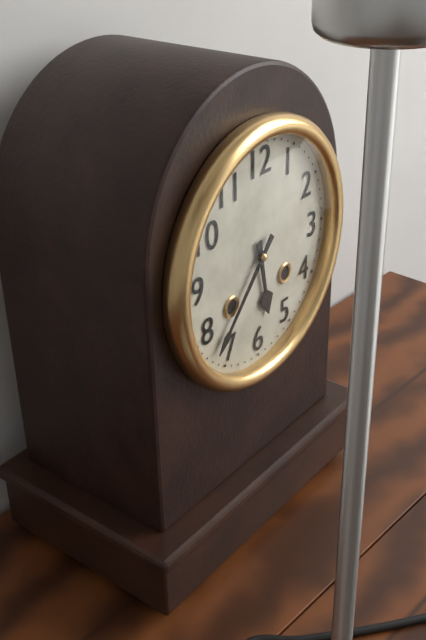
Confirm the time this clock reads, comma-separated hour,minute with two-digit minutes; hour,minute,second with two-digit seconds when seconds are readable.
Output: 5,37
